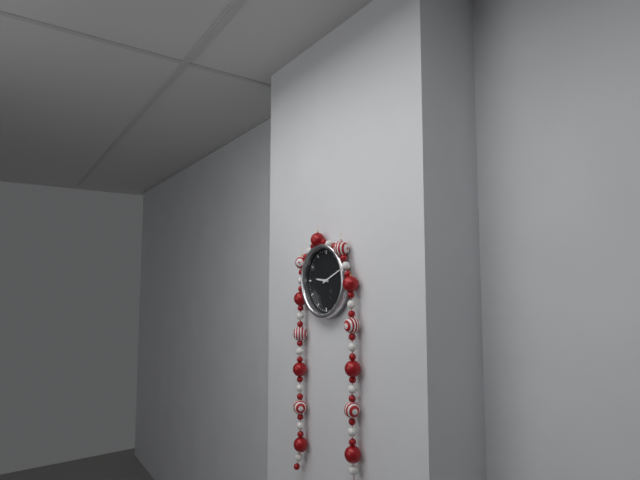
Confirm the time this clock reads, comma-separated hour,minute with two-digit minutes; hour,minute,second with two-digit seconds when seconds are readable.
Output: 9,11
